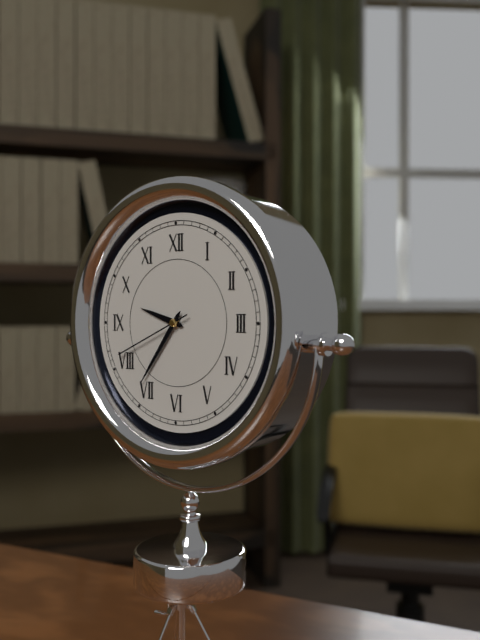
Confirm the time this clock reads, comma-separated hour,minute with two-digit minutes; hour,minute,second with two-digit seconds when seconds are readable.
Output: 9,36,41
